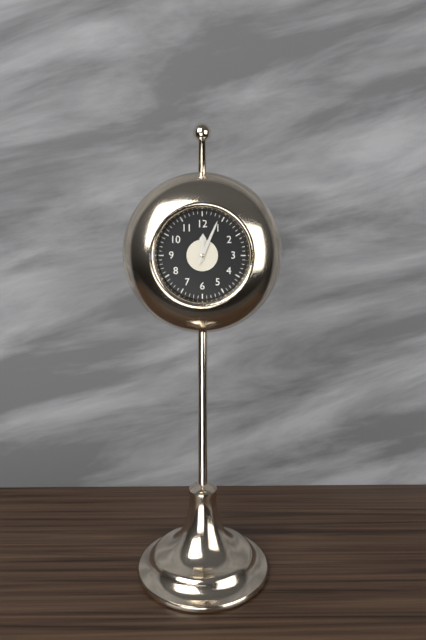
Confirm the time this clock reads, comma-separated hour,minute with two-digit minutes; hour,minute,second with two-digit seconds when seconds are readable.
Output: 12,04
